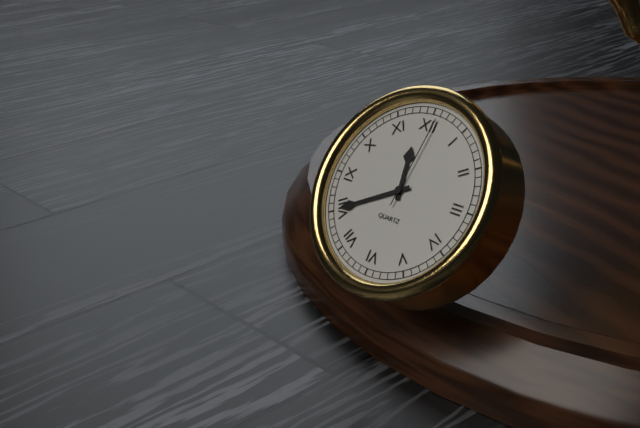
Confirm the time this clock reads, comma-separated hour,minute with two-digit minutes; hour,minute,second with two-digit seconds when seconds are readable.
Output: 11,40,01
